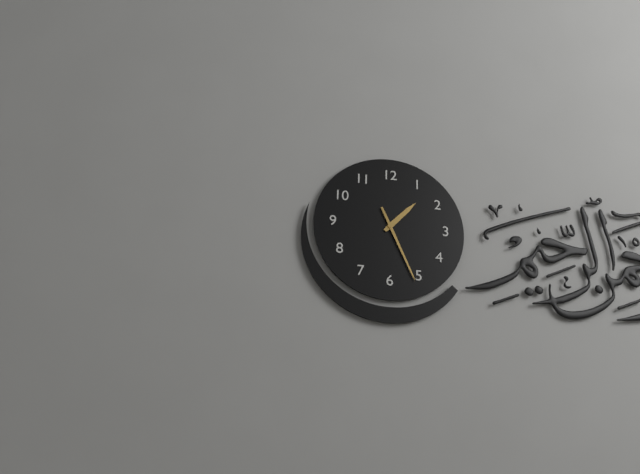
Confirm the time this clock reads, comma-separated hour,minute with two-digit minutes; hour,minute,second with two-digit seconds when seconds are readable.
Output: 1,26
